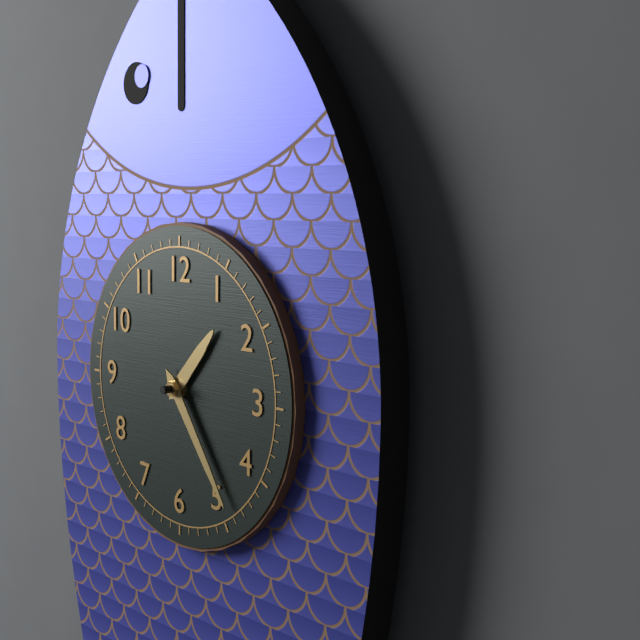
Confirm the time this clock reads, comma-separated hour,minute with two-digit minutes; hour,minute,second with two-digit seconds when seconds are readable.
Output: 1,24
